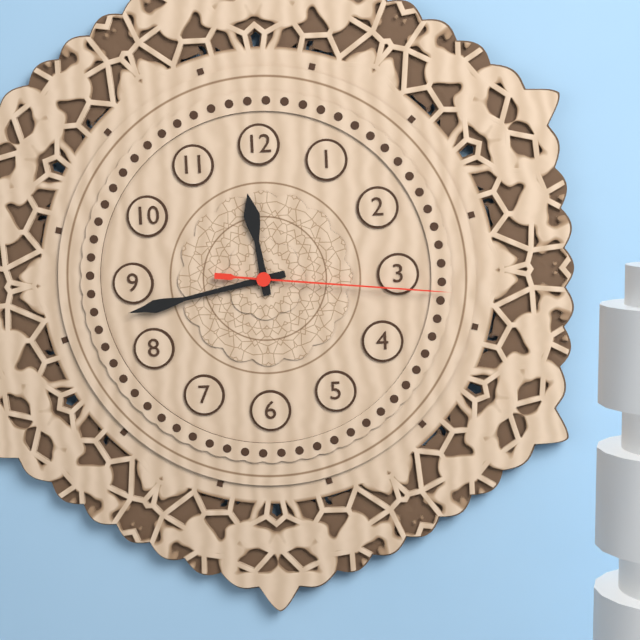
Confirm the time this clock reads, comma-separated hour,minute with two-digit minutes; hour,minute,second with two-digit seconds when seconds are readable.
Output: 11,43,16
